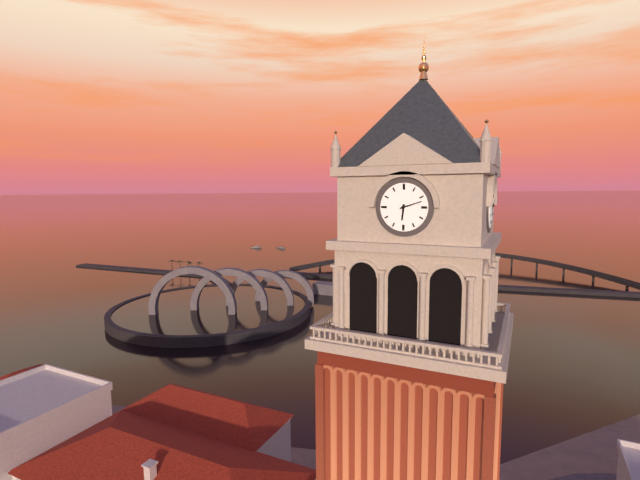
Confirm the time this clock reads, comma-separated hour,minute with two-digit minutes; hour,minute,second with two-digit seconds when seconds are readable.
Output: 6,12
